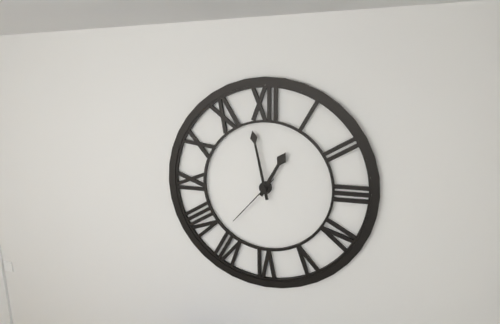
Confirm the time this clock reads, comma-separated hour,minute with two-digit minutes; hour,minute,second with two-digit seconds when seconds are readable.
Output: 12,58,37
